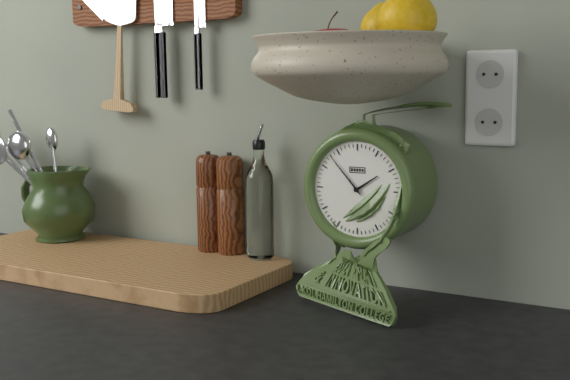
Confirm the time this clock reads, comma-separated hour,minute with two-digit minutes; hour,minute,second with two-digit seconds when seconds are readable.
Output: 1,53
